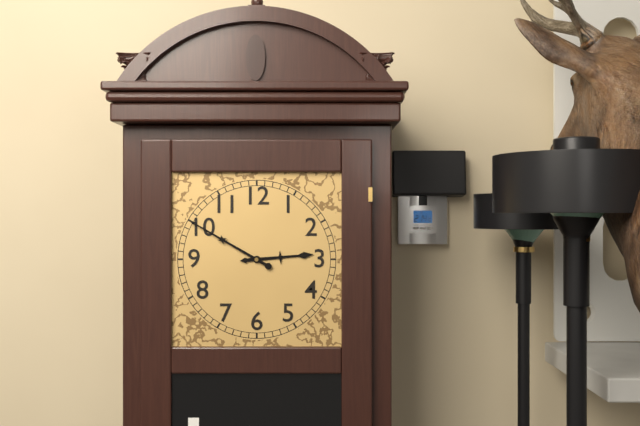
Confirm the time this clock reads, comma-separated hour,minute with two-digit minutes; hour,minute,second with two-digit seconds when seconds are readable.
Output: 2,50
